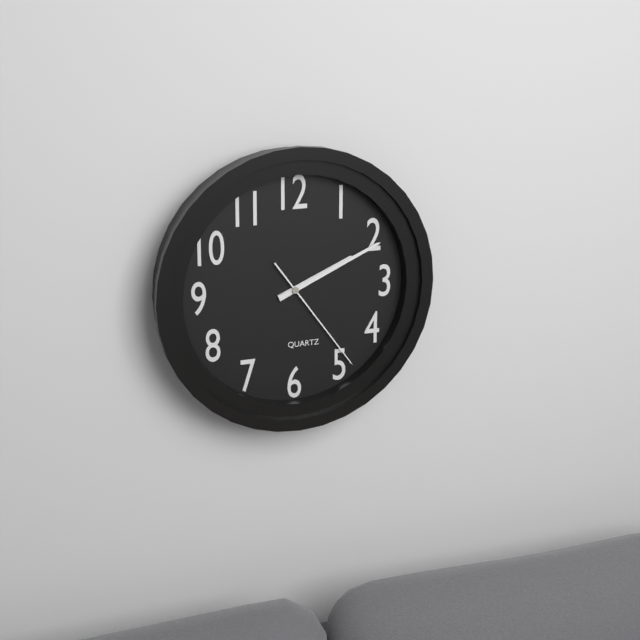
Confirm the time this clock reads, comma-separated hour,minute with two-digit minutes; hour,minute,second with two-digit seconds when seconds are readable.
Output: 2,11,24
